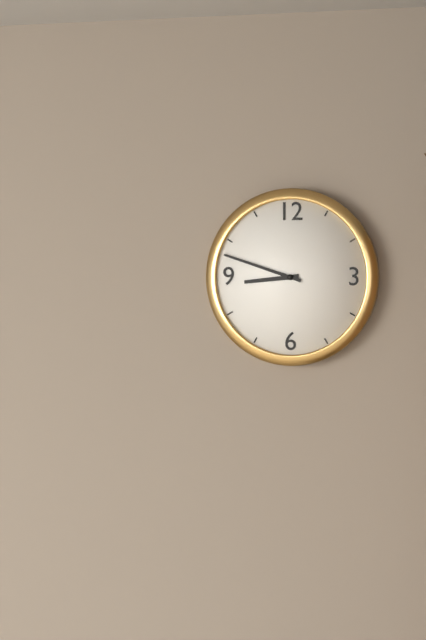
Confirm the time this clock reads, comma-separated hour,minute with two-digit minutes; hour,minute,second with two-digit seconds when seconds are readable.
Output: 8,48
